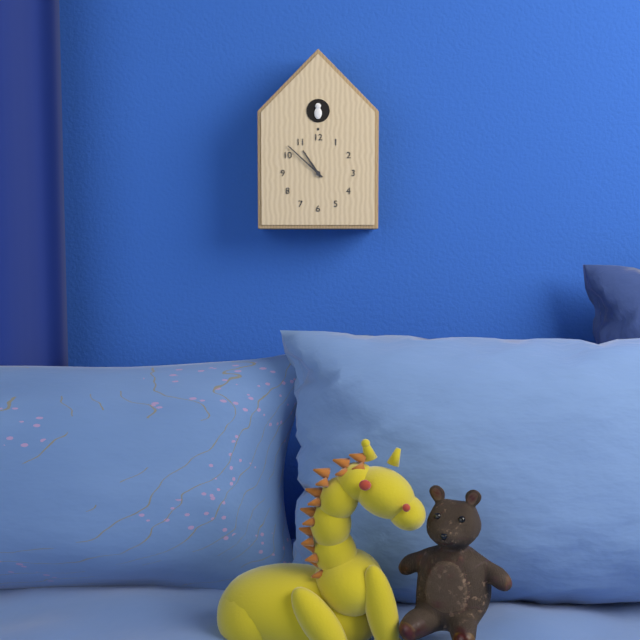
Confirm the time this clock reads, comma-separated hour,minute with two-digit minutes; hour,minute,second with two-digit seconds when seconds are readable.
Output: 10,52
